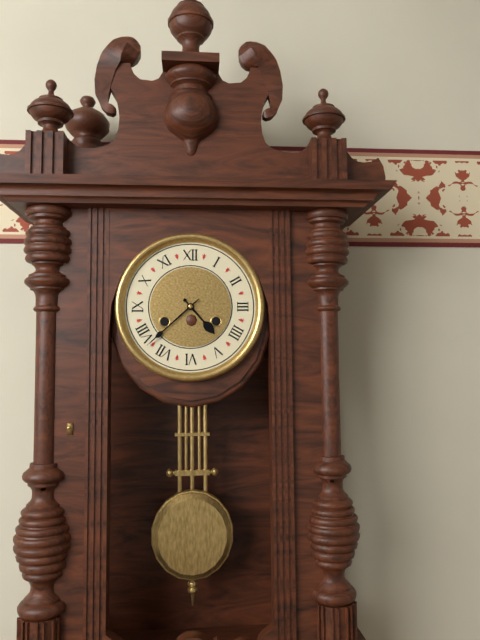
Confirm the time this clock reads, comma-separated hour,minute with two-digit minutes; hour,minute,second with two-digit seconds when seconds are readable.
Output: 4,38
